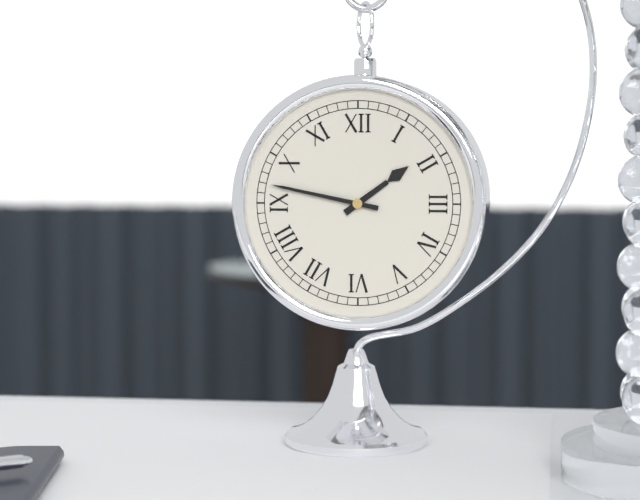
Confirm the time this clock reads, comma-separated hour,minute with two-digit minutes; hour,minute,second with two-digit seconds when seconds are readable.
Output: 1,47
